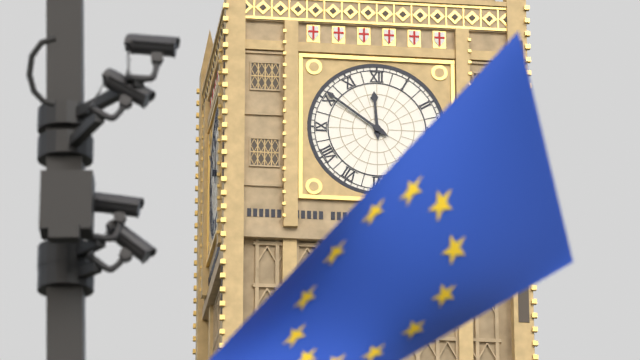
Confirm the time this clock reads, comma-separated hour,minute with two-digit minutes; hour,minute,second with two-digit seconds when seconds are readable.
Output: 11,51
